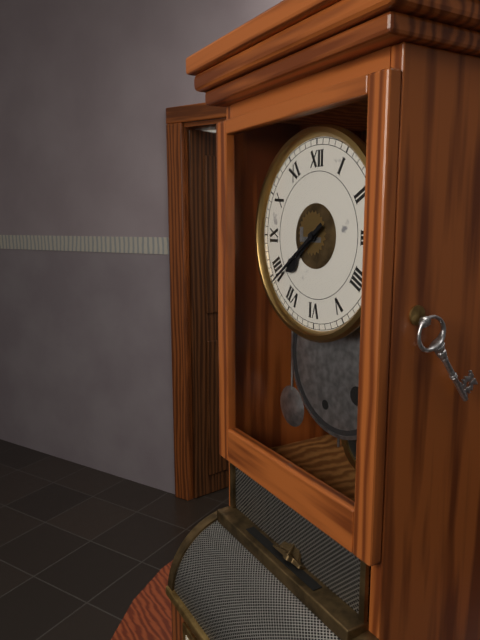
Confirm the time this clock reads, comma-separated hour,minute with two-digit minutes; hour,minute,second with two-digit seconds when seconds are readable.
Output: 7,39
